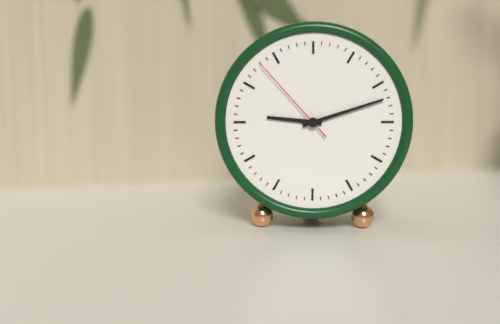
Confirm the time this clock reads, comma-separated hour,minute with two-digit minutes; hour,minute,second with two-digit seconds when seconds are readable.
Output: 9,12,53
